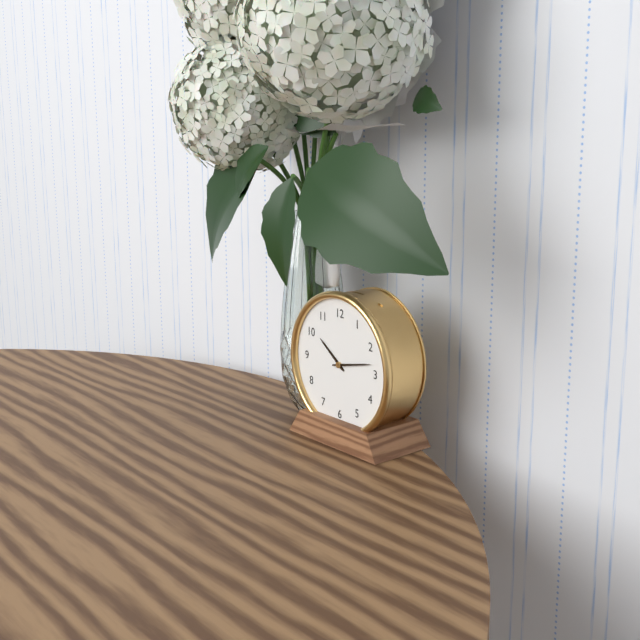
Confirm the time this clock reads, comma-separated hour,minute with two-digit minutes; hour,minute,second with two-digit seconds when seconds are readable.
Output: 10,13
